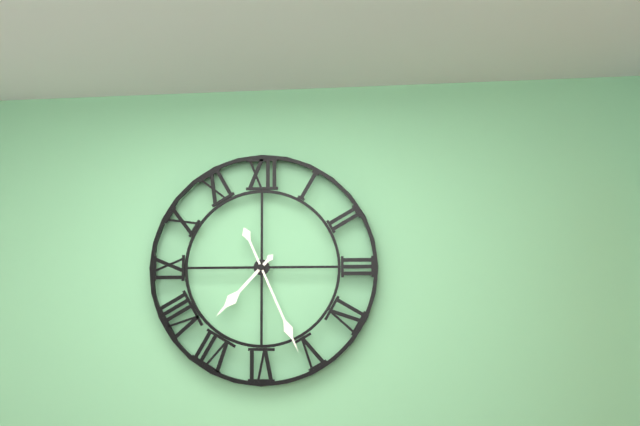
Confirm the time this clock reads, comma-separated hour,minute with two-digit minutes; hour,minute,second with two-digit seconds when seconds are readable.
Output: 7,26
